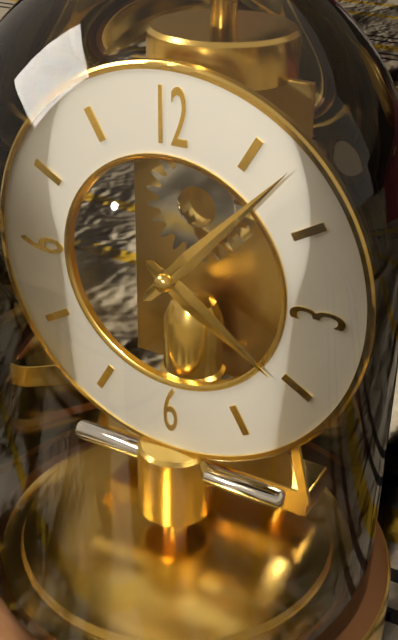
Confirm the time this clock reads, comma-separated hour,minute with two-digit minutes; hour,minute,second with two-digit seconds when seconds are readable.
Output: 4,07
